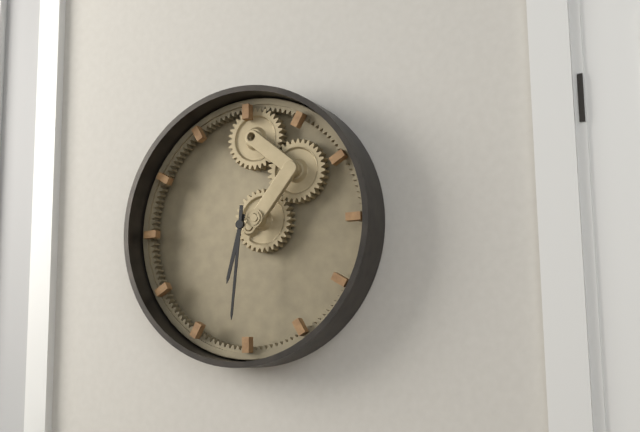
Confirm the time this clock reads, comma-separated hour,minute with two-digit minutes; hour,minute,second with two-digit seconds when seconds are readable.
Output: 6,31
